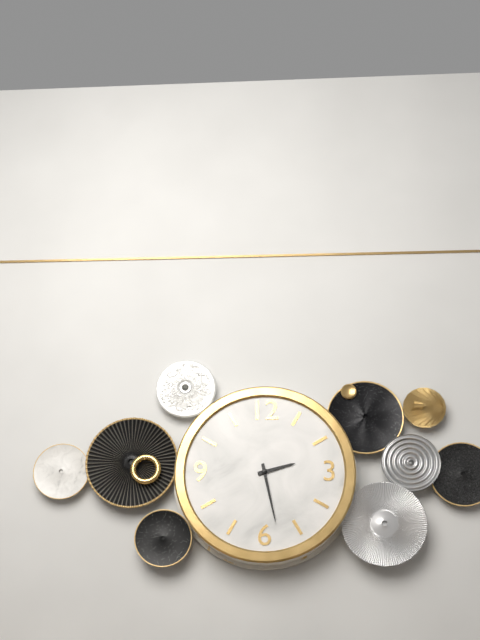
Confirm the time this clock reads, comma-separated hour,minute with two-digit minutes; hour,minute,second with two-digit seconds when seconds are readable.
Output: 2,28
